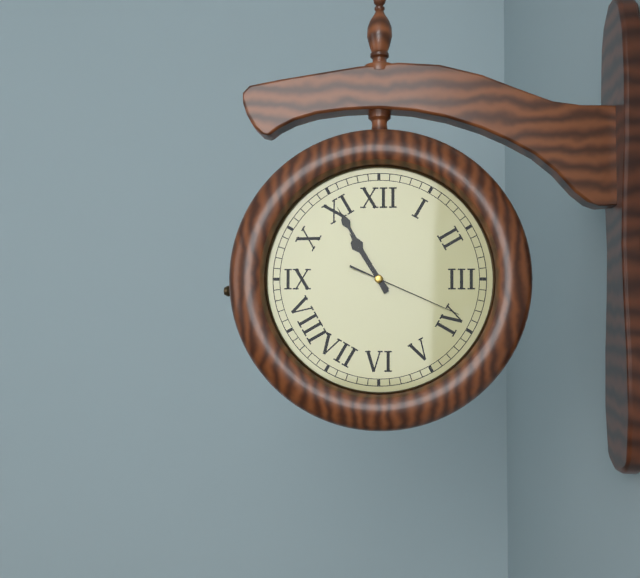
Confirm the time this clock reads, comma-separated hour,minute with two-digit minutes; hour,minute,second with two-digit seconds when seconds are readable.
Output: 10,55,19
